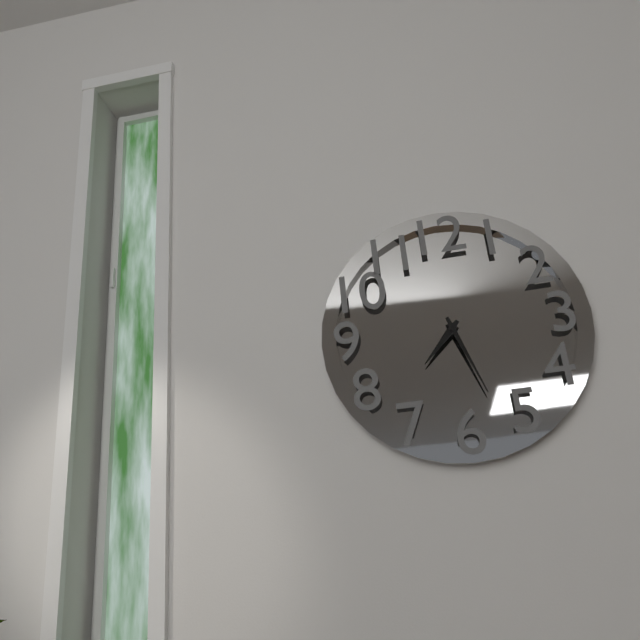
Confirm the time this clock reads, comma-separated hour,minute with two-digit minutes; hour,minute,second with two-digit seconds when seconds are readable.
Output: 7,27
